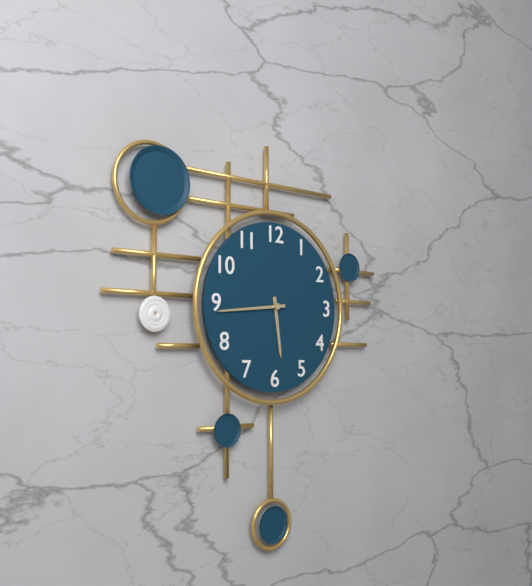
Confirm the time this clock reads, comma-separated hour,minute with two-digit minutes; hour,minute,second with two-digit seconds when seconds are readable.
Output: 5,44
